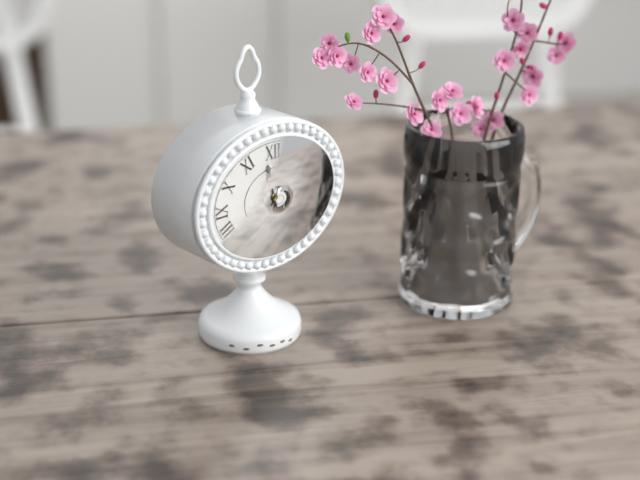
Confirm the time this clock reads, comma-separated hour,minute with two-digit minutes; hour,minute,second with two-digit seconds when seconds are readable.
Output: 11,35
